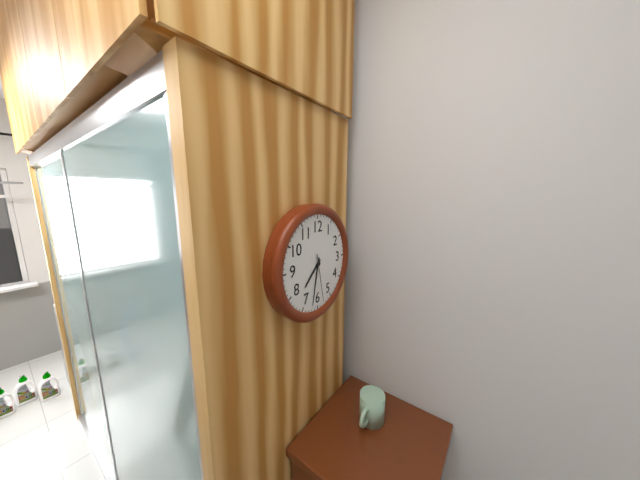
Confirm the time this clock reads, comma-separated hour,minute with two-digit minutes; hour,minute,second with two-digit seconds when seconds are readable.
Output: 7,32
